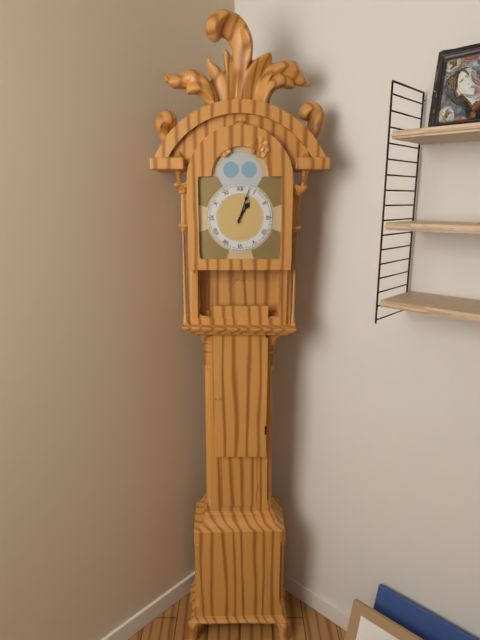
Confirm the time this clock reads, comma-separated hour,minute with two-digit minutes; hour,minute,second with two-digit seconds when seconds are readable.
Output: 1,03
